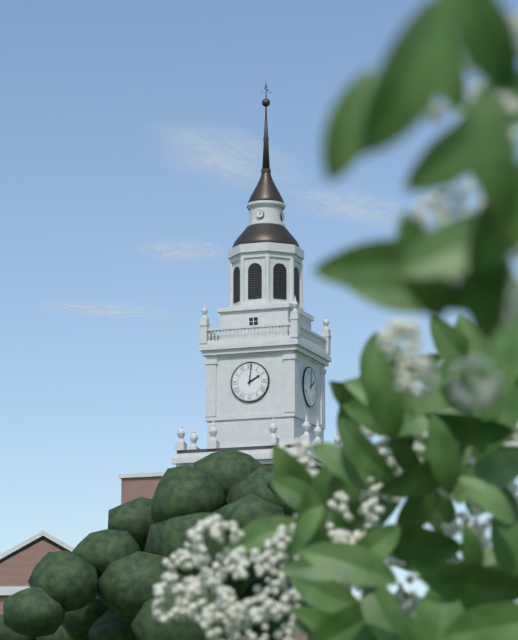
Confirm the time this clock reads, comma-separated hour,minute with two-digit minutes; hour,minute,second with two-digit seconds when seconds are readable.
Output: 2,01
